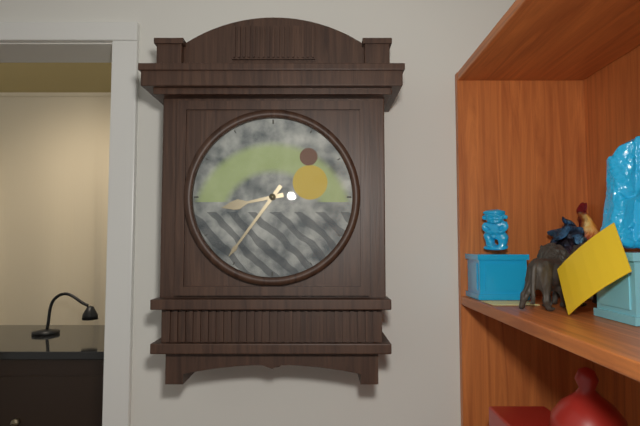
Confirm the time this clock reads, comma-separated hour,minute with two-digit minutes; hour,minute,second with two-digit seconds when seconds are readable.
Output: 8,36
